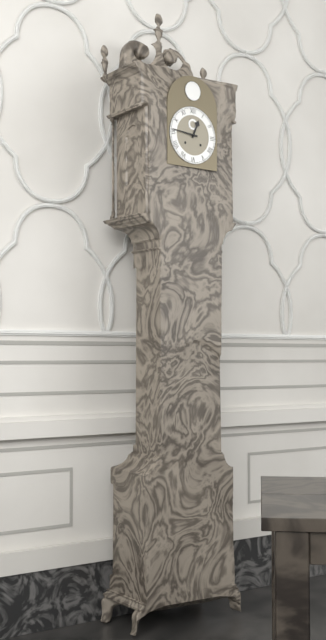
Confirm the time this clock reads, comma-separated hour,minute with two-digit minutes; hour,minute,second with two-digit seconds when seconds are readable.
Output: 12,46
